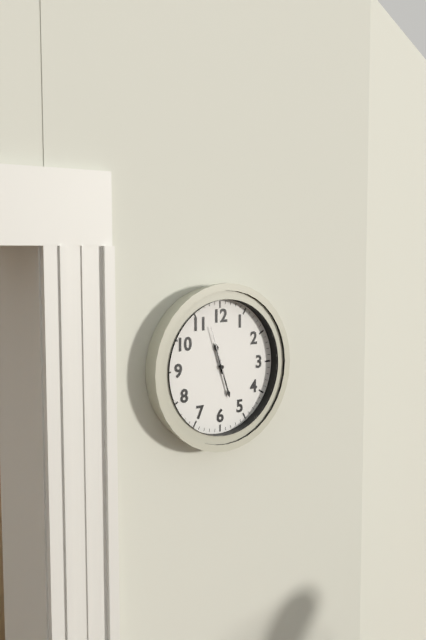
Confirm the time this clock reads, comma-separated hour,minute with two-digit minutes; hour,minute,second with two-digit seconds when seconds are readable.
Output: 11,27,57
